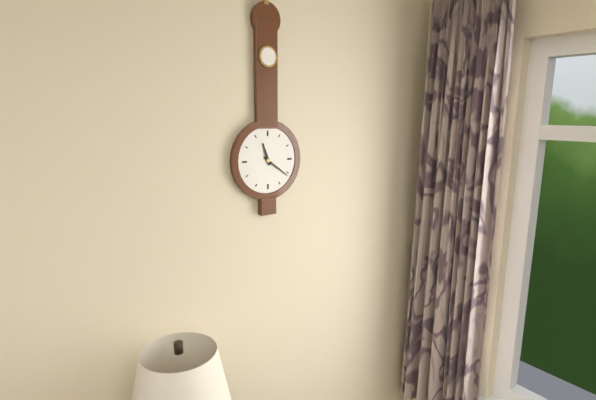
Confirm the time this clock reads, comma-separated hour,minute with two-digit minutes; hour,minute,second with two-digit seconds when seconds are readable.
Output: 11,21
